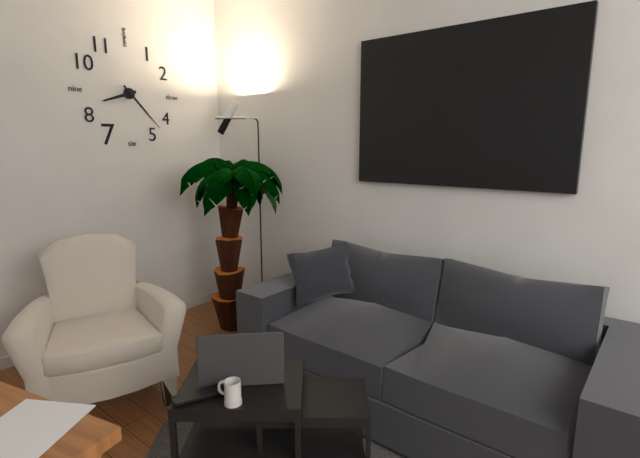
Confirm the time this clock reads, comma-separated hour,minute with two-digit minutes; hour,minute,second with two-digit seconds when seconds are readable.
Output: 8,23
